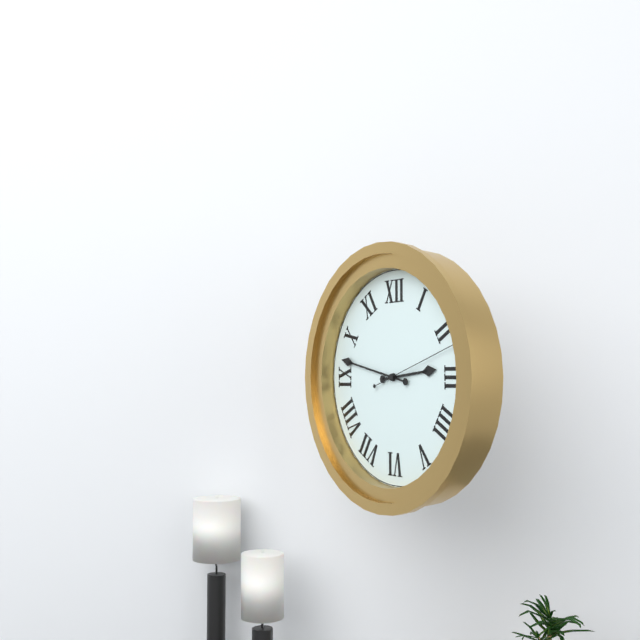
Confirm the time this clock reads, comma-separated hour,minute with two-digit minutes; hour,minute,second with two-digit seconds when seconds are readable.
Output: 2,47,12
